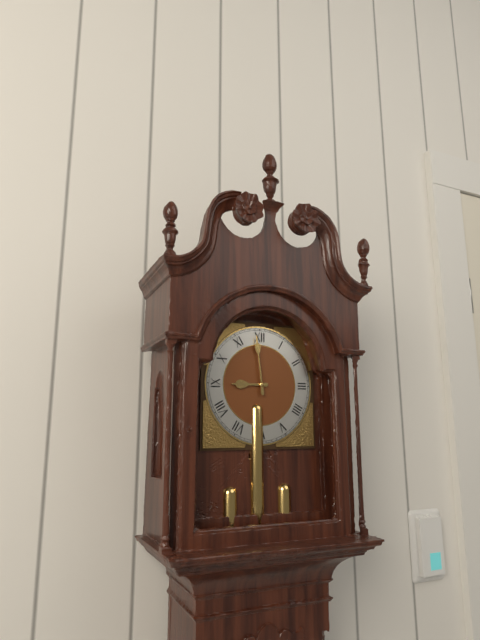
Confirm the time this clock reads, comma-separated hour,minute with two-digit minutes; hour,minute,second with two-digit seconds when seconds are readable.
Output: 8,59
